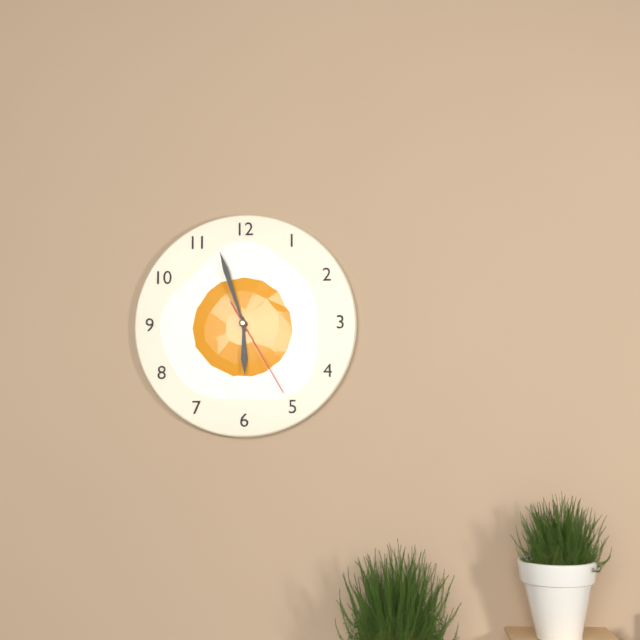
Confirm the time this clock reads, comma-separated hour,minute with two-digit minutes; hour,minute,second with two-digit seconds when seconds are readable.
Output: 5,57,25
